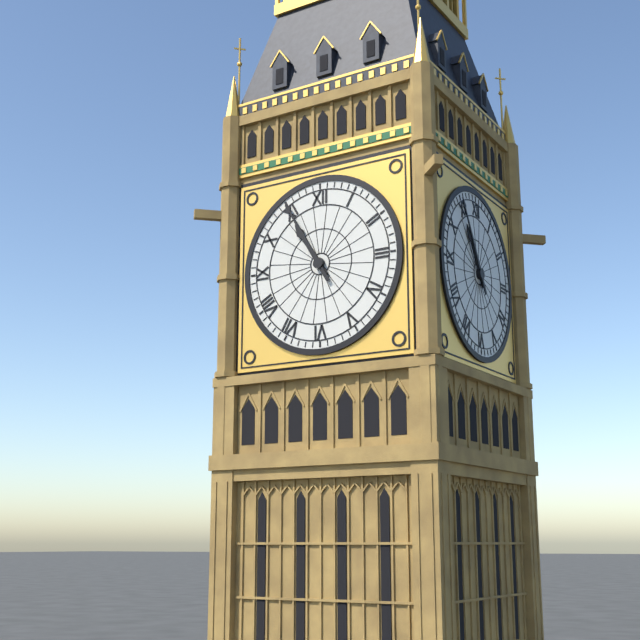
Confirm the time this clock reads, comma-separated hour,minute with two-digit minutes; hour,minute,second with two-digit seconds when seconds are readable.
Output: 10,55
